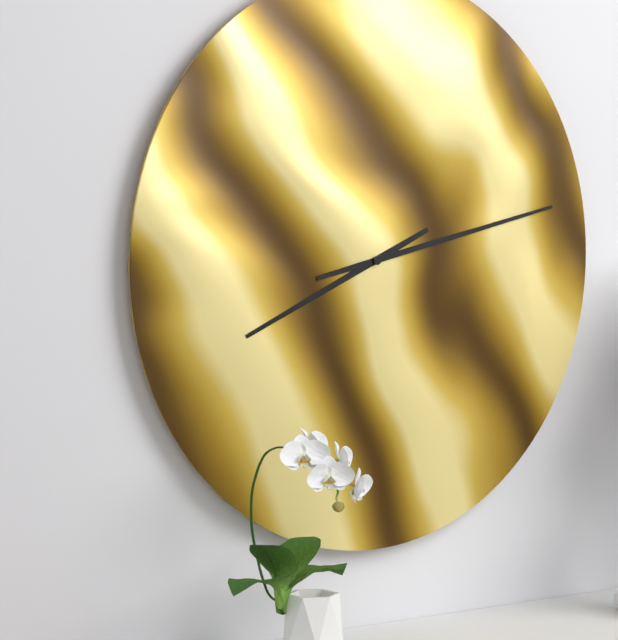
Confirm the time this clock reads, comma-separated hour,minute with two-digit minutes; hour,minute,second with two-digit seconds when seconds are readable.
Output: 8,13
